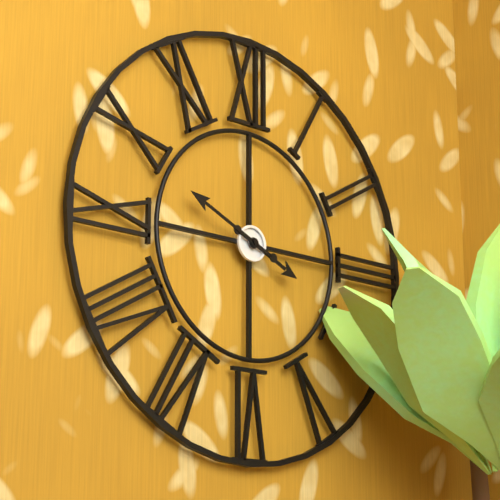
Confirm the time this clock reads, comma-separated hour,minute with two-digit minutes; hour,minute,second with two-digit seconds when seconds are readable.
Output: 3,49
